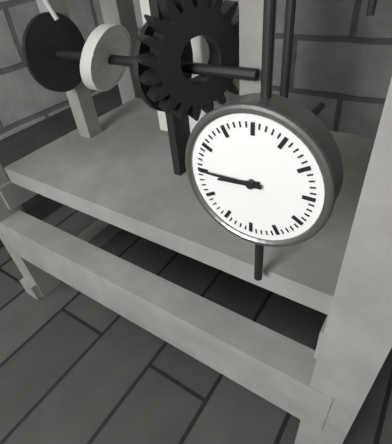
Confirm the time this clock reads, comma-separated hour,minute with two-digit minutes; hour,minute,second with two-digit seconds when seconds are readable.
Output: 8,45
